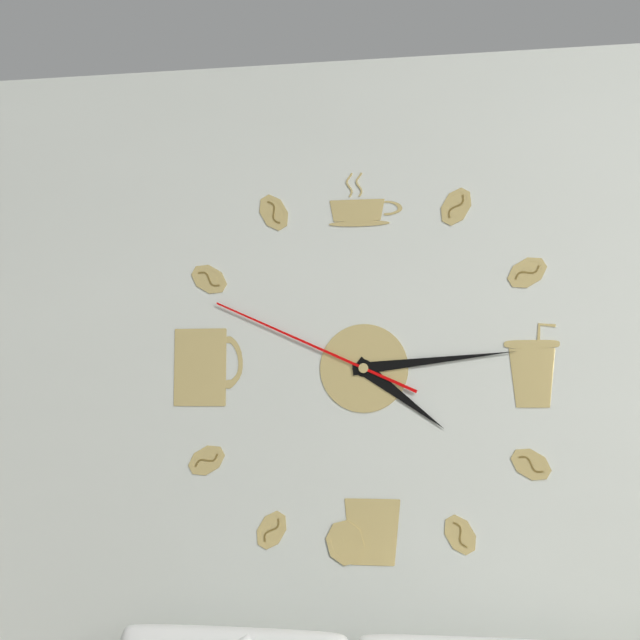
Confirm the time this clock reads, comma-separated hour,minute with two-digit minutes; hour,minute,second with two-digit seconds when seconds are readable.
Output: 4,14,49
